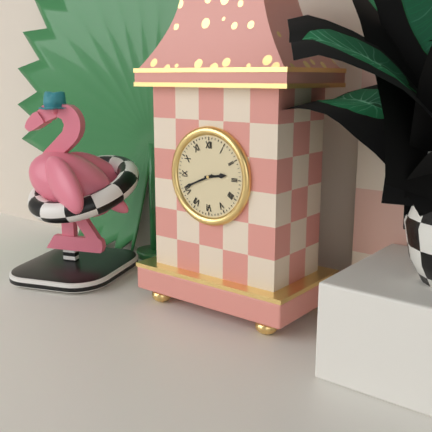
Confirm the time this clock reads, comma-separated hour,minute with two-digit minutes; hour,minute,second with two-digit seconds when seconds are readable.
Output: 2,41
